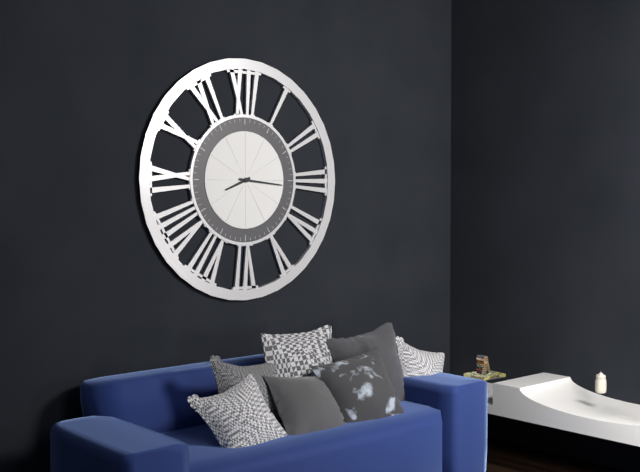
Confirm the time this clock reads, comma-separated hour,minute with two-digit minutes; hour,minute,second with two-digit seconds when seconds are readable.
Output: 8,16
